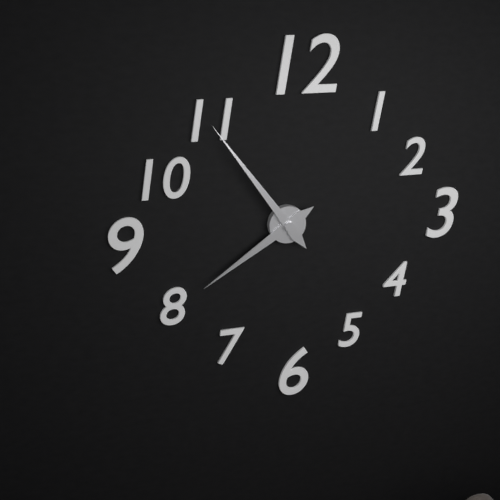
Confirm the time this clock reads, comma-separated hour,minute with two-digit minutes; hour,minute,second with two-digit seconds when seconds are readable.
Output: 7,54
